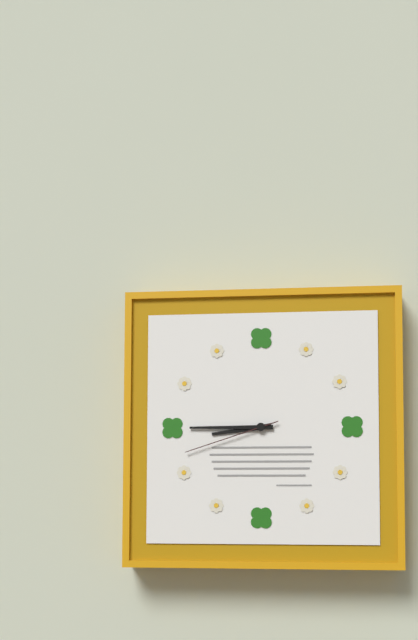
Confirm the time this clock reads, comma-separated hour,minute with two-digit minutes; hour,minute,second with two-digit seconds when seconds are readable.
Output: 8,45,42
